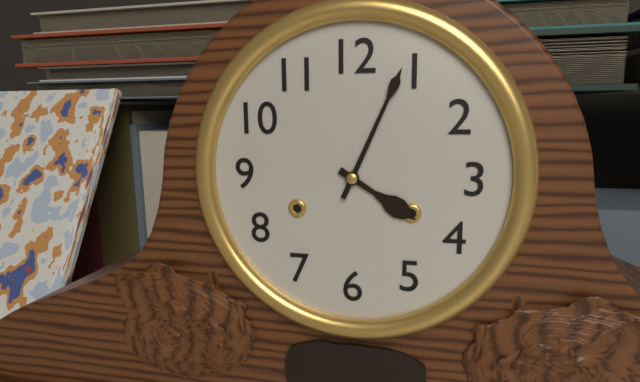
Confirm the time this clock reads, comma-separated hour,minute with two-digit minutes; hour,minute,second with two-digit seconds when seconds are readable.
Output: 4,04
